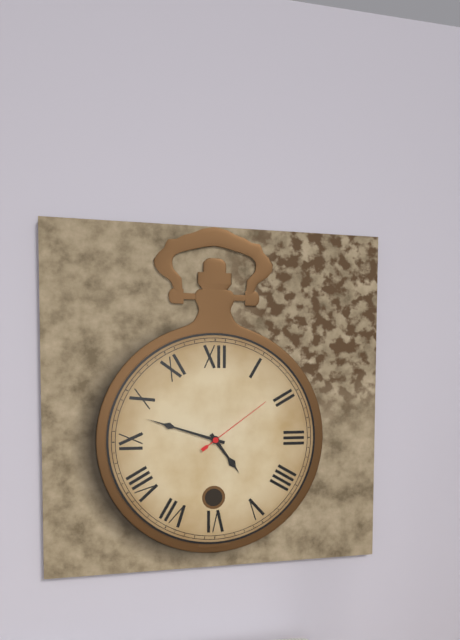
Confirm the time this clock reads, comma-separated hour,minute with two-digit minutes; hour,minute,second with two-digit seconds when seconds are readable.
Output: 4,48,09
